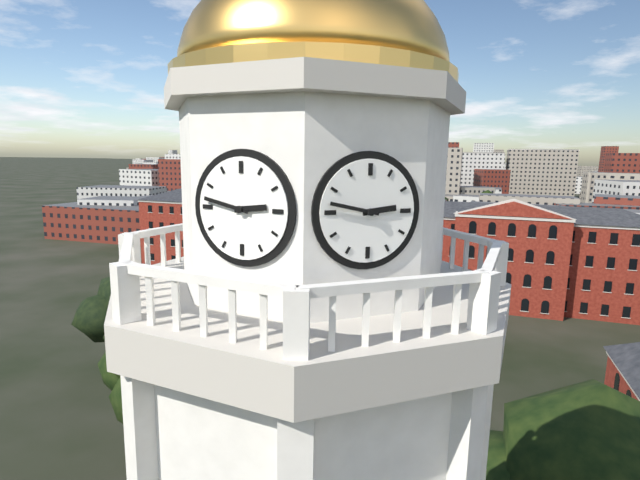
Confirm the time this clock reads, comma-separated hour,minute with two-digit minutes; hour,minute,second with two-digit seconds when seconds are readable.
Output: 2,47
